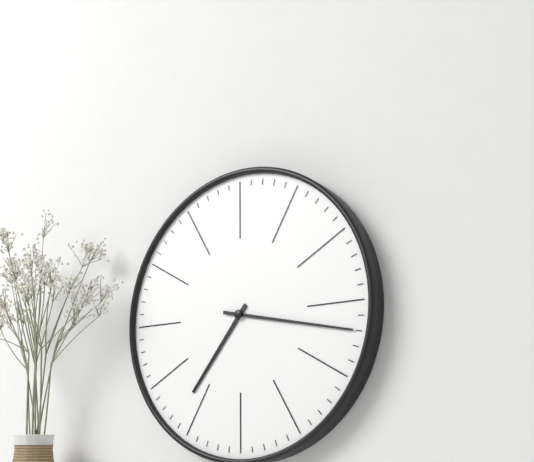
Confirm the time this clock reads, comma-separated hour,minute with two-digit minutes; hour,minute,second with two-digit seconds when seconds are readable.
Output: 7,17
